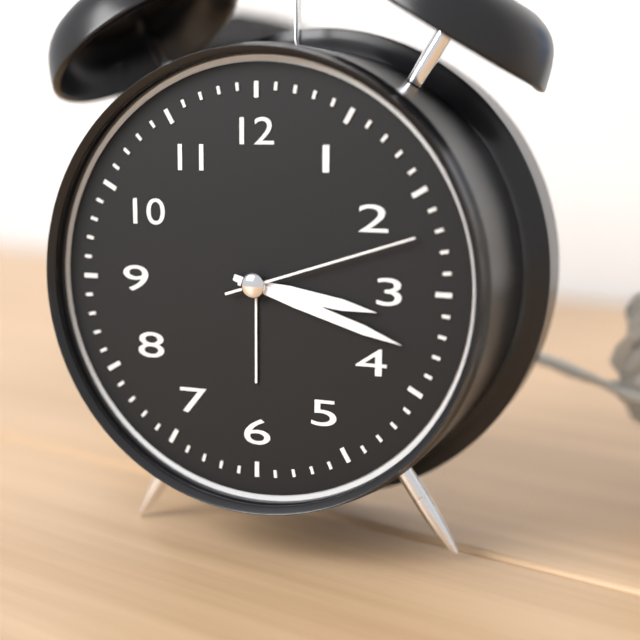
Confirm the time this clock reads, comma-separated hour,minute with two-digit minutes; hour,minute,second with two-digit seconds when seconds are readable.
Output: 3,18,12
